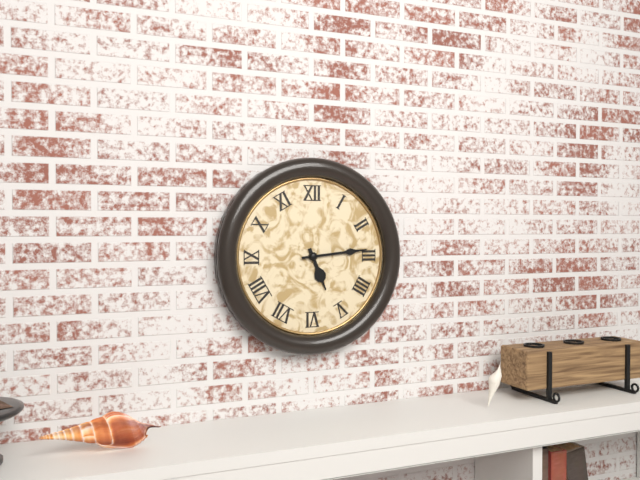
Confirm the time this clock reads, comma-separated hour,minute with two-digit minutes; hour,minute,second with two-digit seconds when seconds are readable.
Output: 5,14
